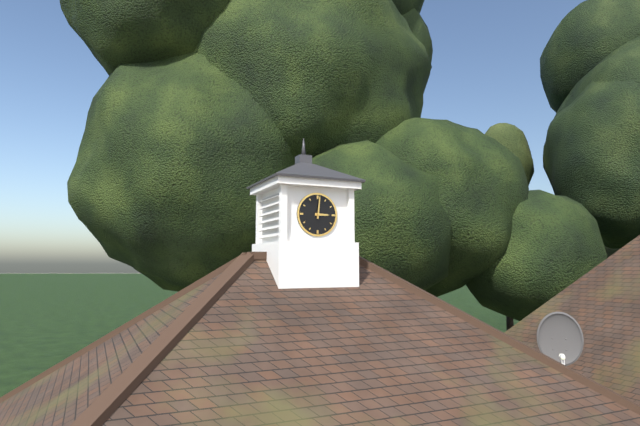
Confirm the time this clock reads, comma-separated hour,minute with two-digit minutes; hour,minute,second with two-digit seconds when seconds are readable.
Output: 3,01
